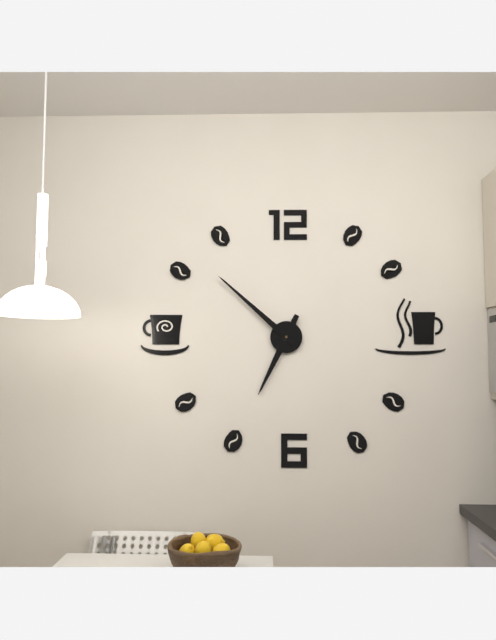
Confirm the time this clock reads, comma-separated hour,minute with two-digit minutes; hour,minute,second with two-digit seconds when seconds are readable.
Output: 6,52
